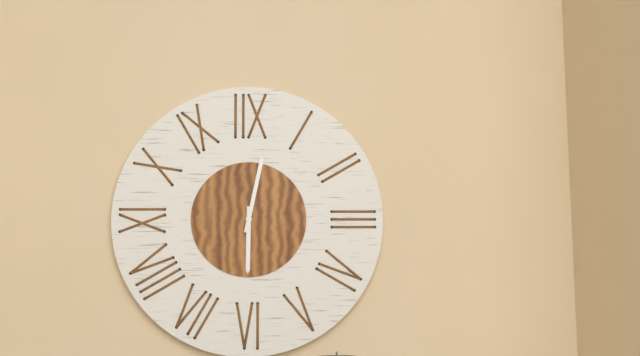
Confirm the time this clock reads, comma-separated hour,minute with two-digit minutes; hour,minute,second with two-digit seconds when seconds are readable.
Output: 6,02
